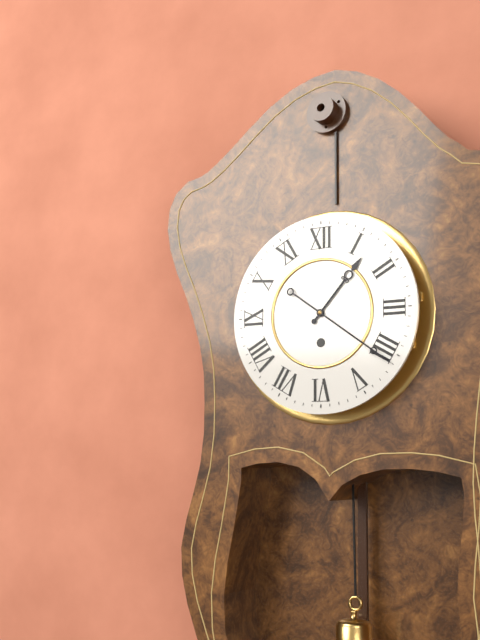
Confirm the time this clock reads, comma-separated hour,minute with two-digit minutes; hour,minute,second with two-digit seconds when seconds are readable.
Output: 1,21
